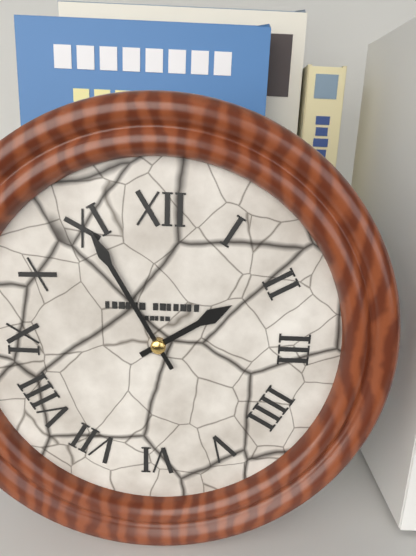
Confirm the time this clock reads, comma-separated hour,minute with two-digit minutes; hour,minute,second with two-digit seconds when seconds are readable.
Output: 1,55
